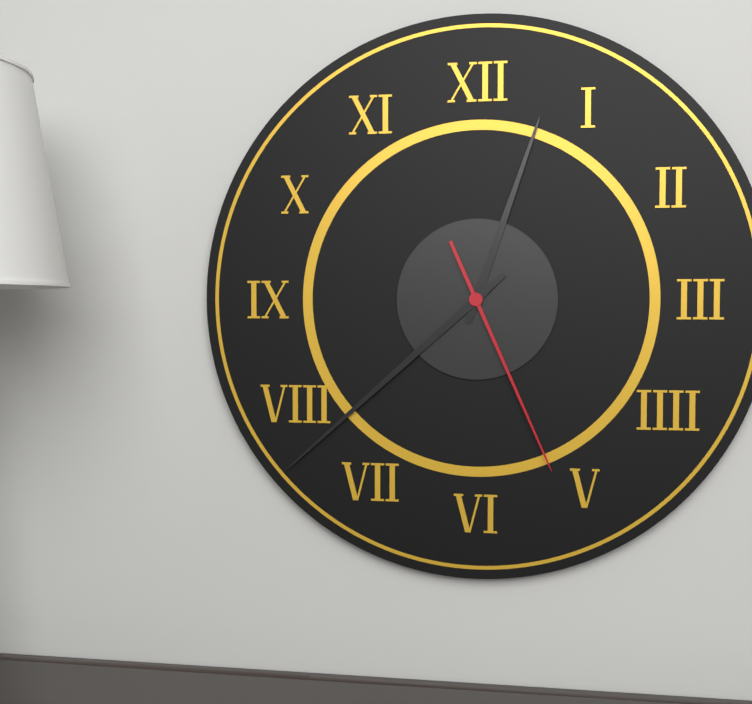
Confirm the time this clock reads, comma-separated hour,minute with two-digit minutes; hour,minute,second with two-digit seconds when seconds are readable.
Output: 12,38,26
